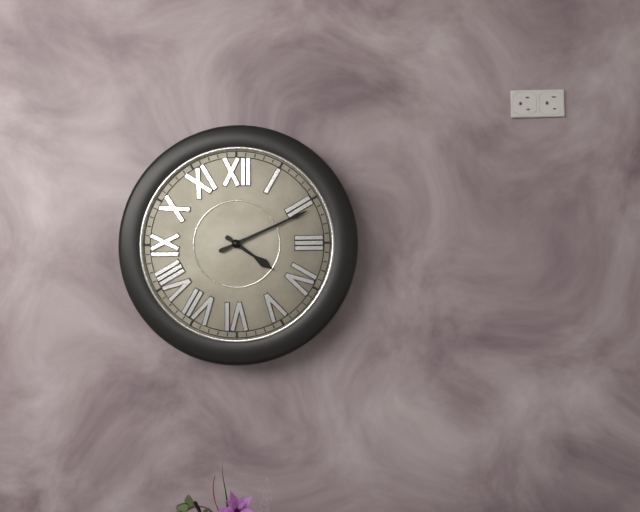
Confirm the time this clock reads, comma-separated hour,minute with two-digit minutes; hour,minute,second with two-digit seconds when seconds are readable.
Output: 4,11
